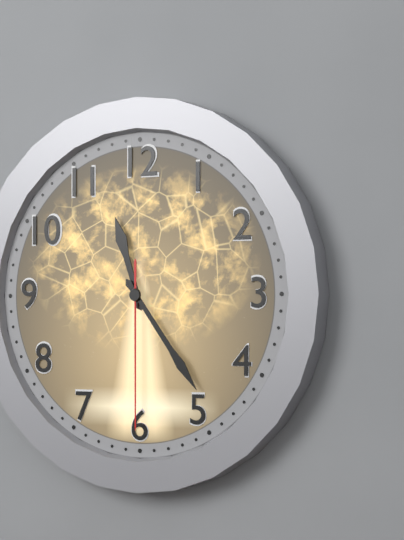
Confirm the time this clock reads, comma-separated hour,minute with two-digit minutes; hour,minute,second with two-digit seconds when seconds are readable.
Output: 11,24,30
